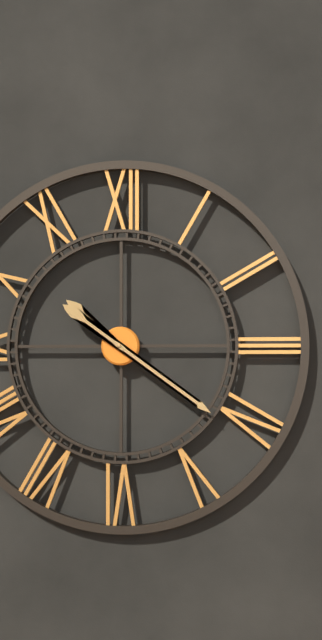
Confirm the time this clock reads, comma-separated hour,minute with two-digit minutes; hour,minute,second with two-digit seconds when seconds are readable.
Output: 10,21
